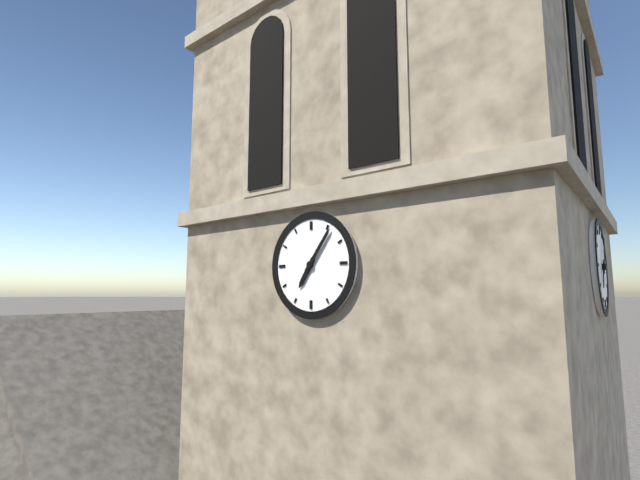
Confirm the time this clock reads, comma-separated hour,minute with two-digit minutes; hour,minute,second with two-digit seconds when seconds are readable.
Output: 7,06
